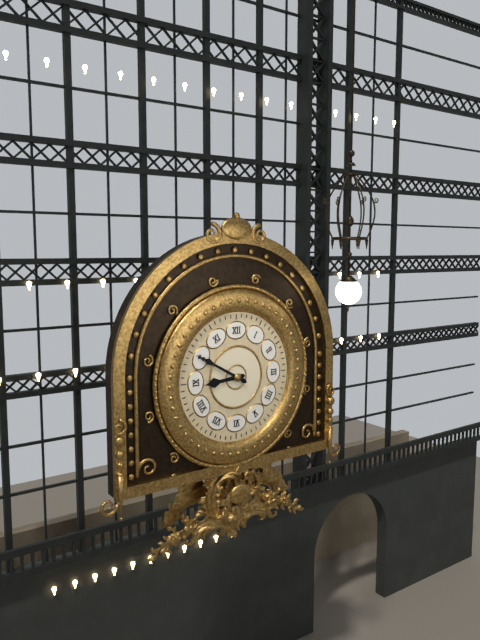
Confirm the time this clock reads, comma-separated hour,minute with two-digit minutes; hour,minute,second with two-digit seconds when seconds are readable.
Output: 8,50
